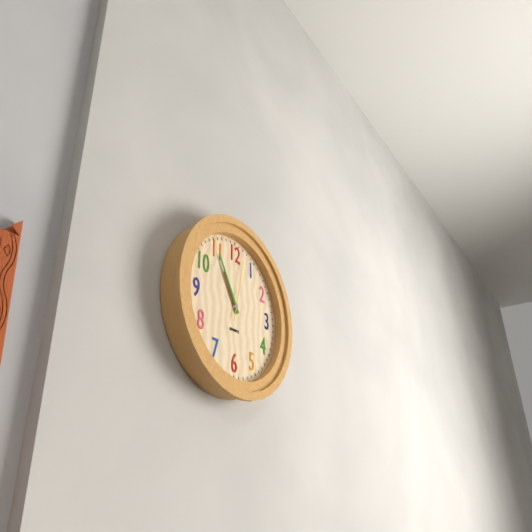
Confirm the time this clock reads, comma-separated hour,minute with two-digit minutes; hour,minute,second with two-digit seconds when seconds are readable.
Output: 10,55,02
